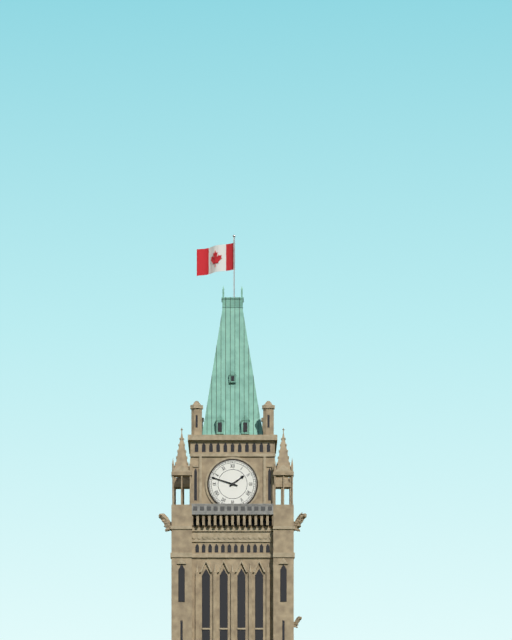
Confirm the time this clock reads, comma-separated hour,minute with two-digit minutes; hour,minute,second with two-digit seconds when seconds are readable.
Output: 1,48
